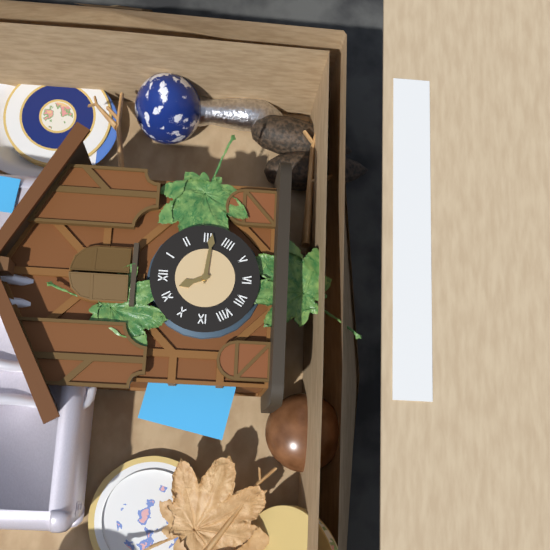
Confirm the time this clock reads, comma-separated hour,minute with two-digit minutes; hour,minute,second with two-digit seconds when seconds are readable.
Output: 11,16
